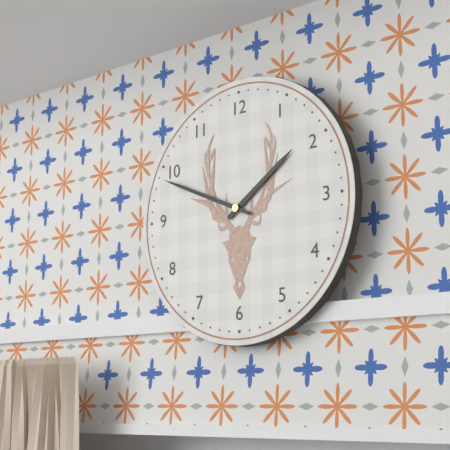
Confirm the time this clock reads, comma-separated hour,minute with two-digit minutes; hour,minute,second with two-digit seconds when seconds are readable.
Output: 1,49
